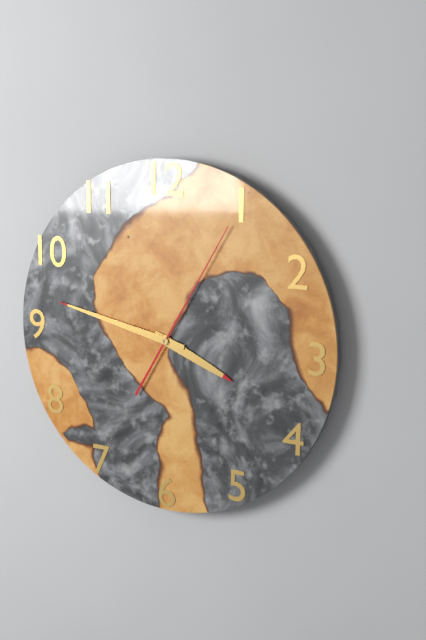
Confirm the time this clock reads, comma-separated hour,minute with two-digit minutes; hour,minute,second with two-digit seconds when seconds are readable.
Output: 3,47,05
